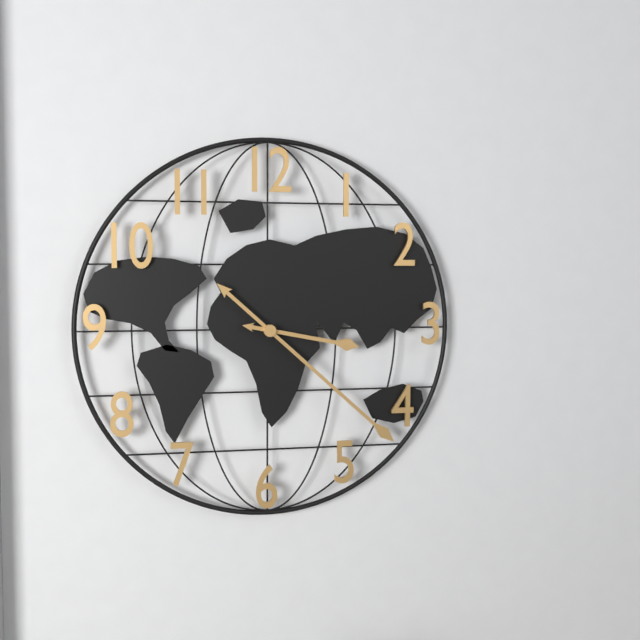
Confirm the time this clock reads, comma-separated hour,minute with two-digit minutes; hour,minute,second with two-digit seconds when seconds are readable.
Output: 3,22
